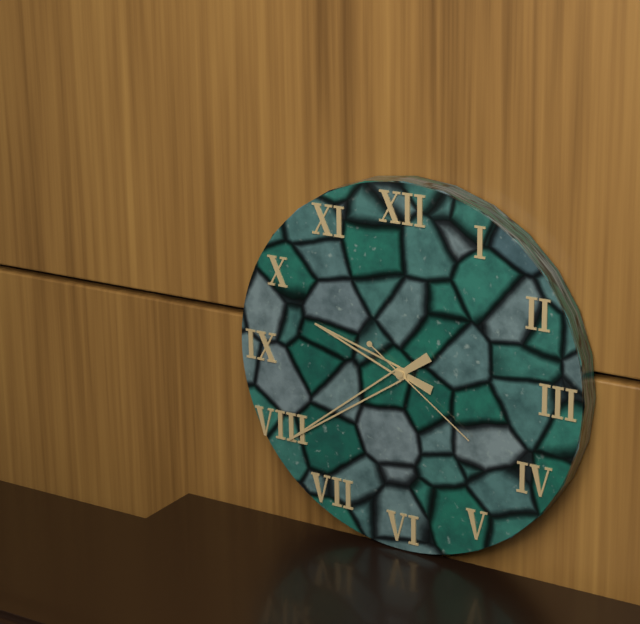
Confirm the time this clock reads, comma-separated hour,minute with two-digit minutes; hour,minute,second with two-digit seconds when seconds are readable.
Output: 9,39,21
